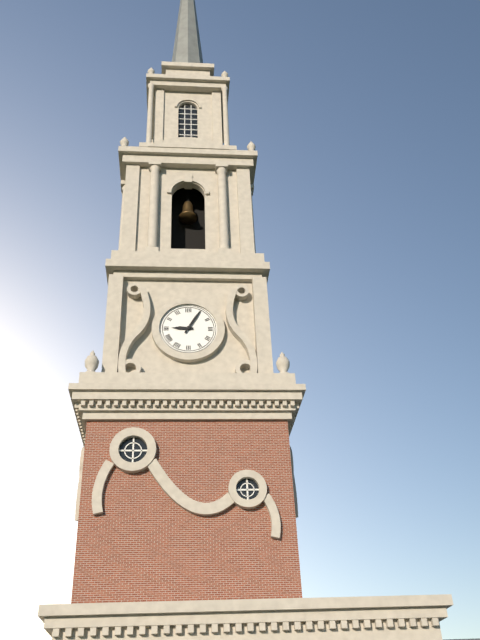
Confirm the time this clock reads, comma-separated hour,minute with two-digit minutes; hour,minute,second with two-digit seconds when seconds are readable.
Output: 9,05
